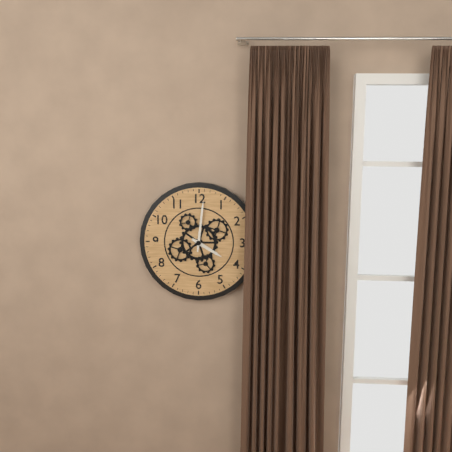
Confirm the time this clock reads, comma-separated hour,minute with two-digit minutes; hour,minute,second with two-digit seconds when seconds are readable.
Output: 4,01
